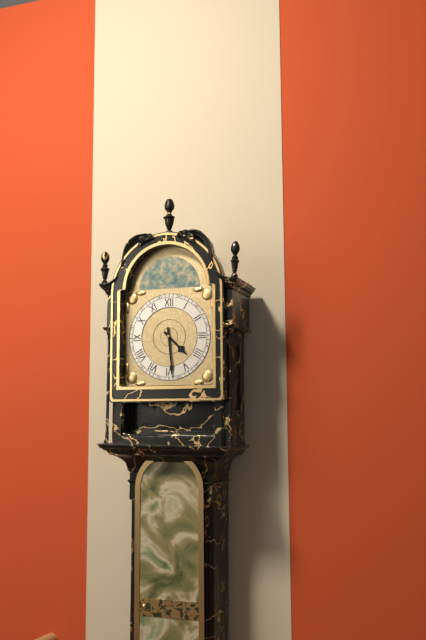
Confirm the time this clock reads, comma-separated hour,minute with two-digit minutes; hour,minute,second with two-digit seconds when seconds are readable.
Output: 4,29
